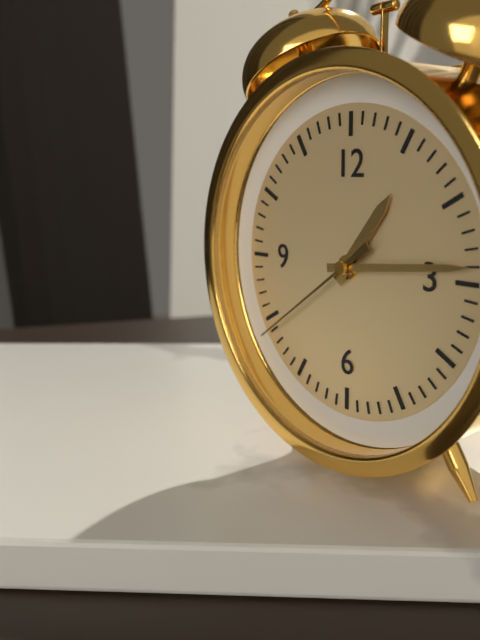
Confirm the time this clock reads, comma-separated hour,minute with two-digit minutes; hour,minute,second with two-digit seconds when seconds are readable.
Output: 1,14,39
